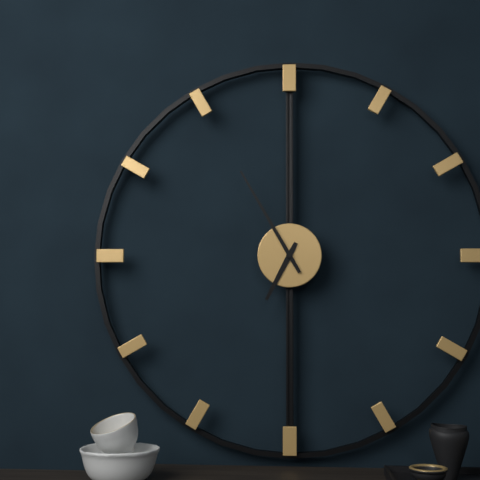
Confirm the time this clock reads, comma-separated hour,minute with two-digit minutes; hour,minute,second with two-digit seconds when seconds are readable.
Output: 6,55
